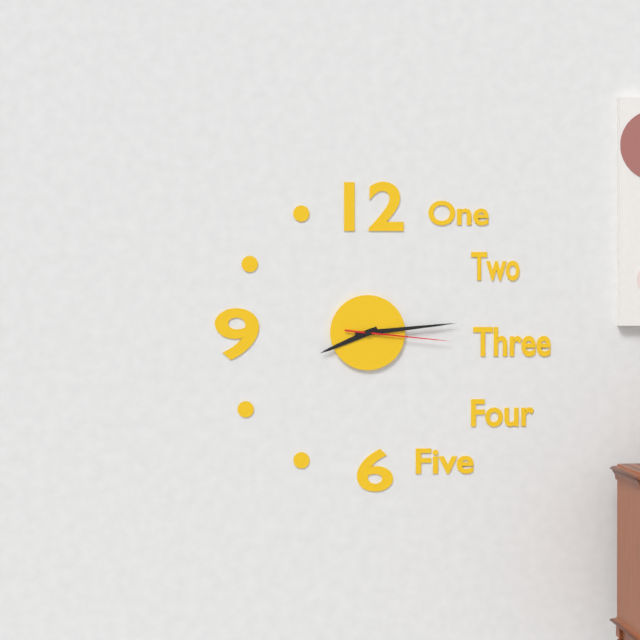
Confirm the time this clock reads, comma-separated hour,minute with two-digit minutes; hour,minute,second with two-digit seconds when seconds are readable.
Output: 8,14,16
